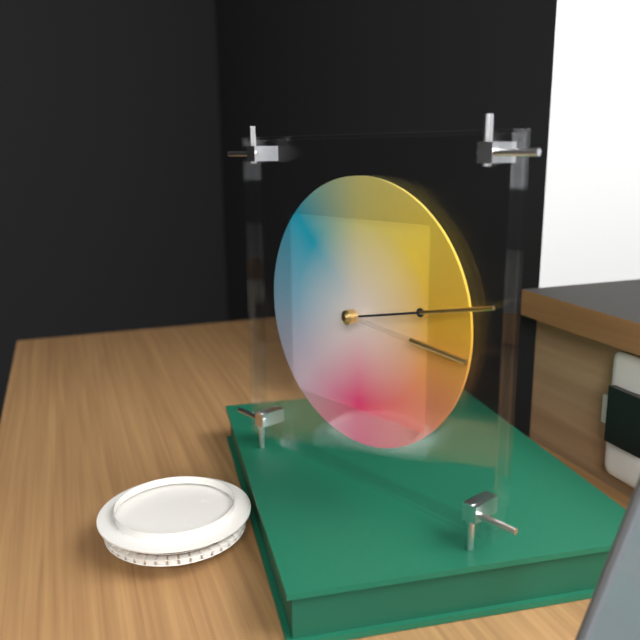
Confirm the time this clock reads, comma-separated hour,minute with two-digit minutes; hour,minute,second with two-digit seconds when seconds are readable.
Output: 3,13
